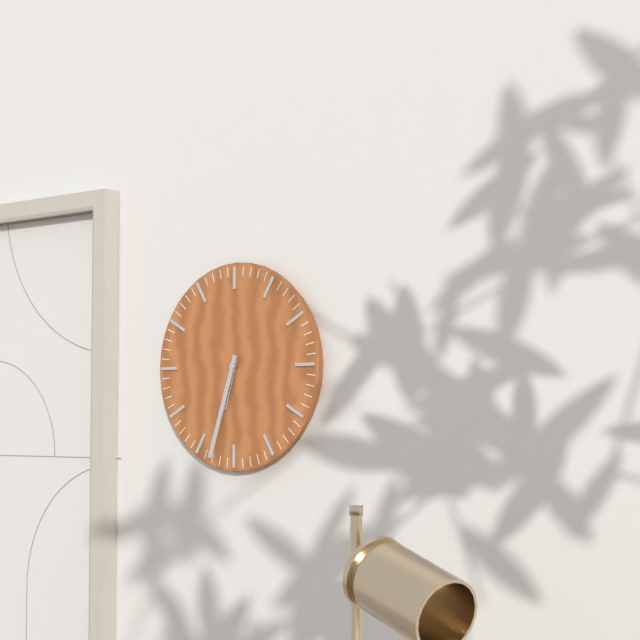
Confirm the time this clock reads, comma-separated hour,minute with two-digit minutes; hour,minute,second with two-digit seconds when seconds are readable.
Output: 6,33
